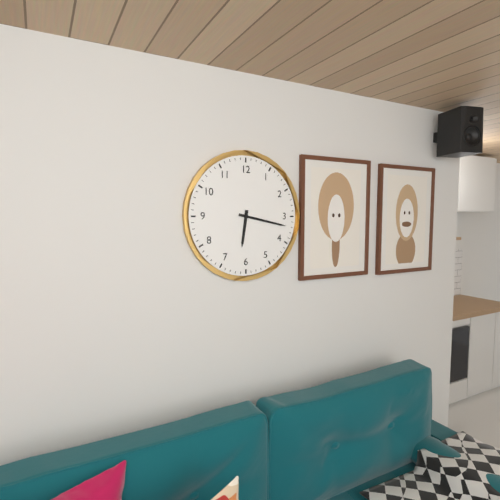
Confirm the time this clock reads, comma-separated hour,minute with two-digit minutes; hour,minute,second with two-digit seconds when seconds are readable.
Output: 6,17
